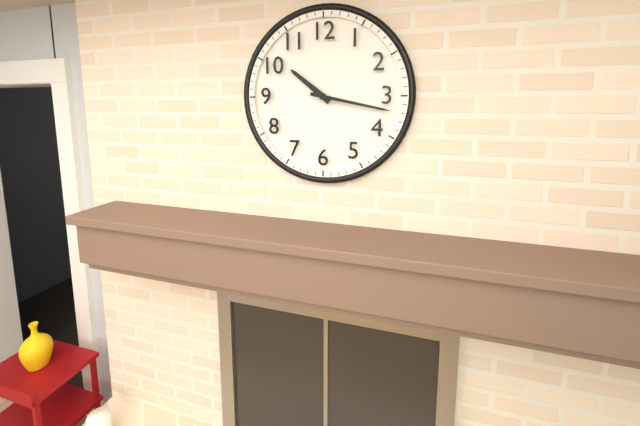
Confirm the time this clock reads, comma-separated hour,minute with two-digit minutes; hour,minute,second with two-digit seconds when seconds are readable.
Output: 10,17
